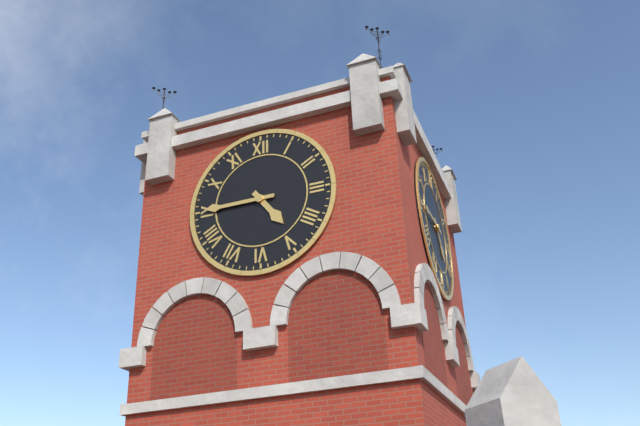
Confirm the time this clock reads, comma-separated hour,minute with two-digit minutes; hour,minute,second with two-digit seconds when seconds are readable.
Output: 4,45
